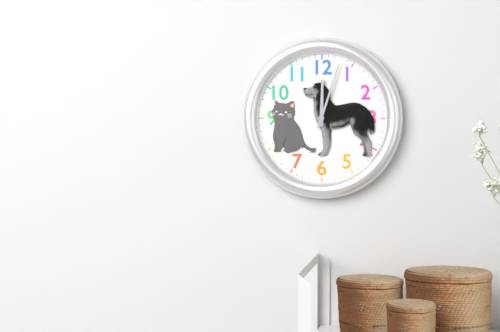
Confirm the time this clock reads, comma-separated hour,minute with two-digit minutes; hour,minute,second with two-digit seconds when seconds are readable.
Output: 12,03
